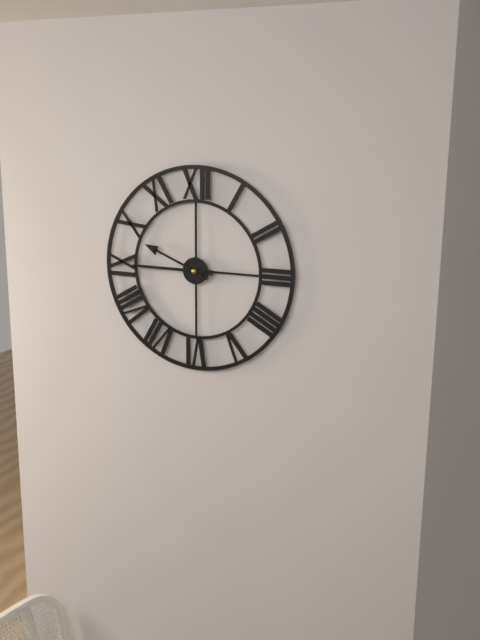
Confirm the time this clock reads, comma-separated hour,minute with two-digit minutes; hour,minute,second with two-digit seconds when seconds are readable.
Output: 9,45
